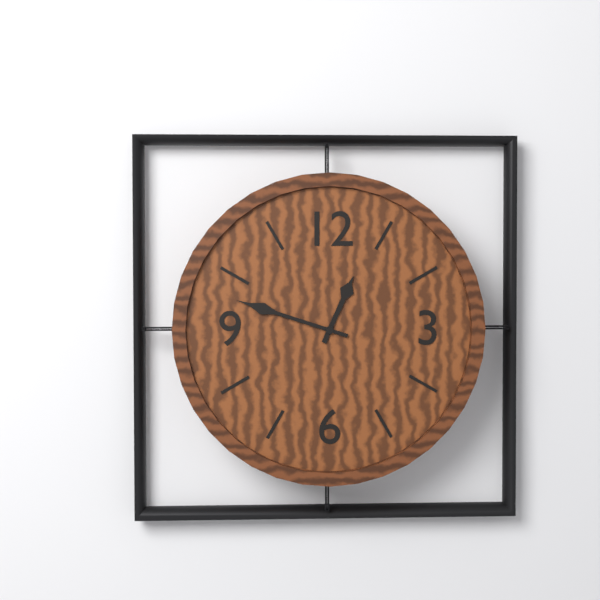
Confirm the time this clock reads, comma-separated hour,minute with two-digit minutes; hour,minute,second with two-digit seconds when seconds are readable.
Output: 12,48
